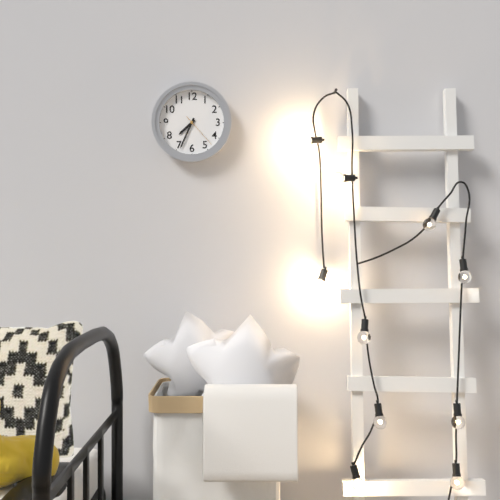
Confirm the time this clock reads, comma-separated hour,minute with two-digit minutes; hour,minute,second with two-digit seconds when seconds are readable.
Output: 7,34
